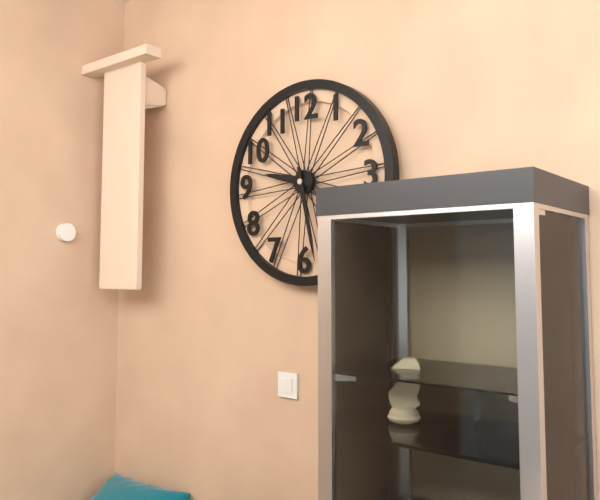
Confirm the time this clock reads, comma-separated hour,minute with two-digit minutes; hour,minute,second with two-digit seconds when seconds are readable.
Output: 9,28
